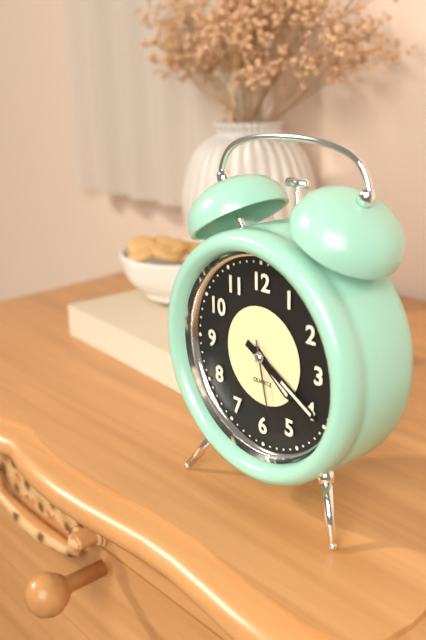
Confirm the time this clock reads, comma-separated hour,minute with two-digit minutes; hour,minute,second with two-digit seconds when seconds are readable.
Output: 4,20,28
